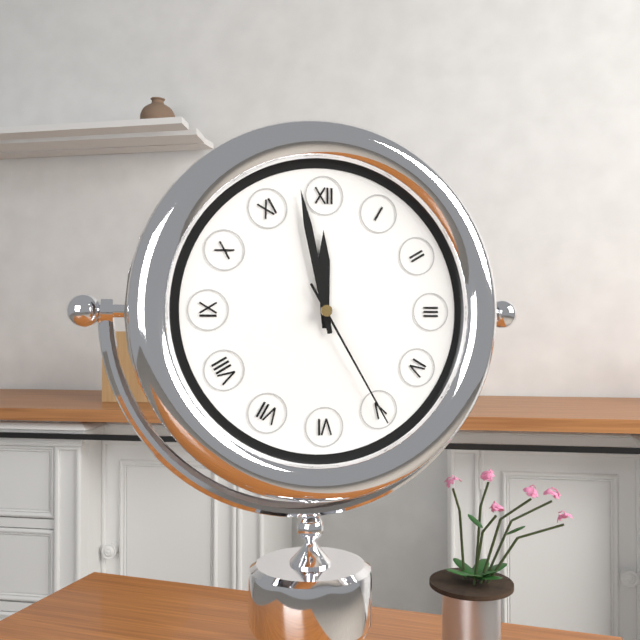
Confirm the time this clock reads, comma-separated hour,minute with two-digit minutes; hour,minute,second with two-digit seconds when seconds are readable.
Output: 11,58,25
